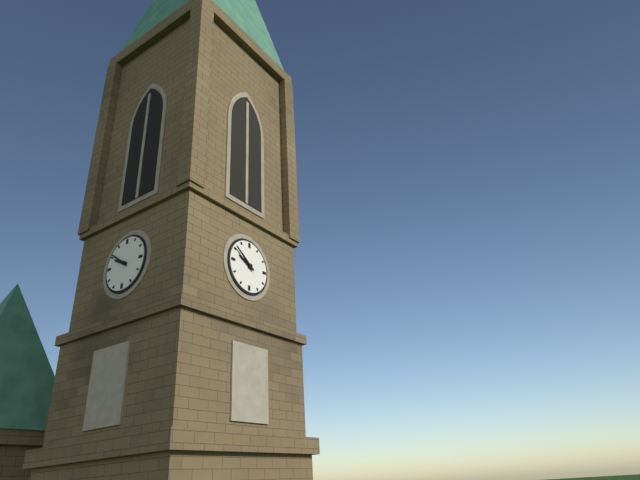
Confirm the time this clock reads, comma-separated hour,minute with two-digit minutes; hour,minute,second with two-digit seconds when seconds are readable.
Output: 9,51
